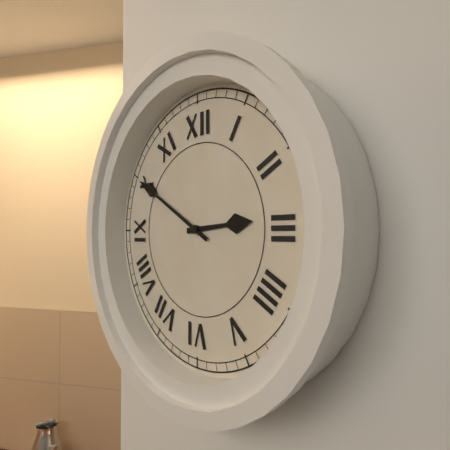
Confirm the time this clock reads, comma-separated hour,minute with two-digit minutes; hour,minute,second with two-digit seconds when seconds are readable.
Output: 2,50
